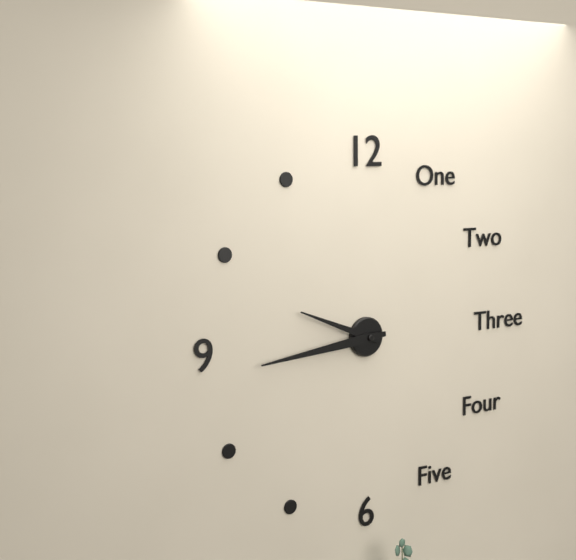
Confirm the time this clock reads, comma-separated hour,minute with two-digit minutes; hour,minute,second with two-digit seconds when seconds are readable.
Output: 9,44
